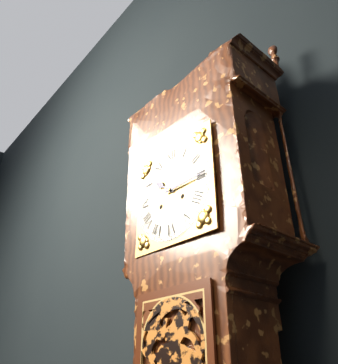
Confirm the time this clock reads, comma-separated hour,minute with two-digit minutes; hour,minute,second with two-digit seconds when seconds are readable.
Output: 10,15
